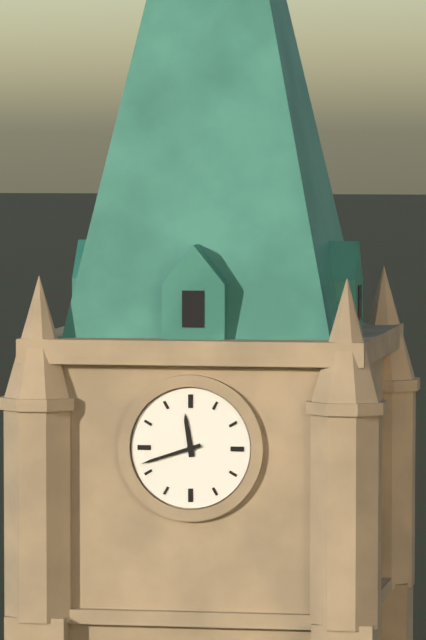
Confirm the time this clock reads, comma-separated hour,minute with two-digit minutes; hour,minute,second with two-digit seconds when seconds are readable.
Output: 11,42
